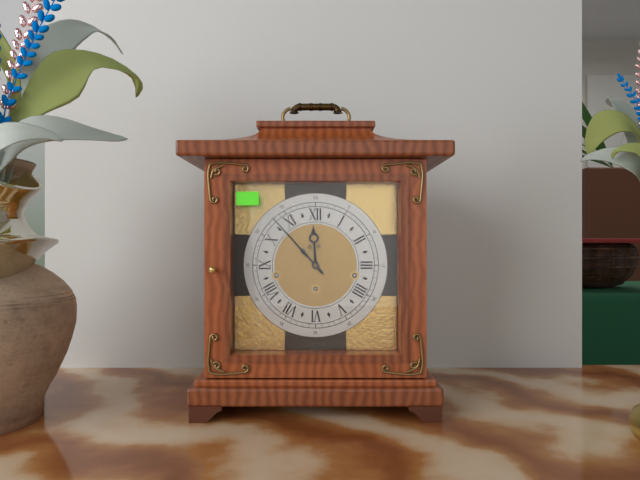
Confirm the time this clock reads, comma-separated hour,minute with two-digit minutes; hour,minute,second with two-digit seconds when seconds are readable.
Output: 11,53
